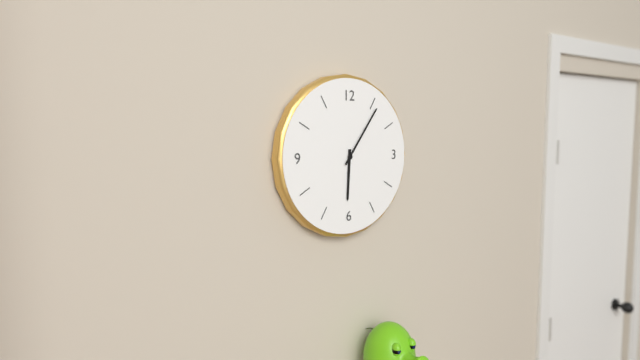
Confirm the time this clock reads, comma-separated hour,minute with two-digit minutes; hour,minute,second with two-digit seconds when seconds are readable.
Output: 6,06
